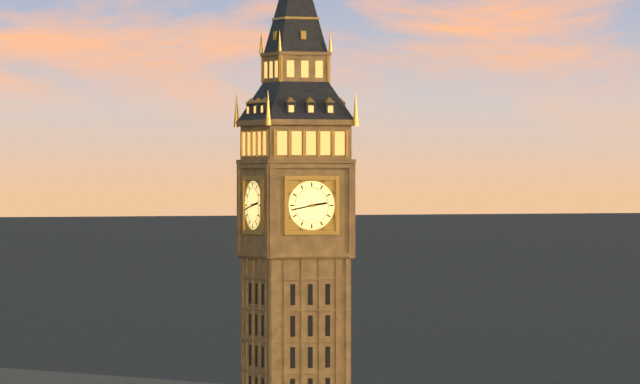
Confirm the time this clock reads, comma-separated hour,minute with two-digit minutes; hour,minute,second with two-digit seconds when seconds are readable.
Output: 2,43
